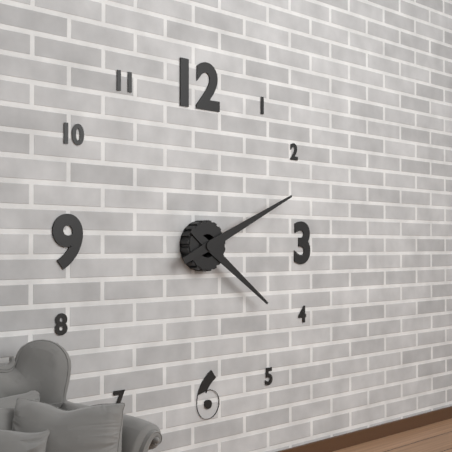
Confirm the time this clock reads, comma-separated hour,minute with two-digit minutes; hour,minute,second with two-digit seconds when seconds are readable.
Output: 4,11
